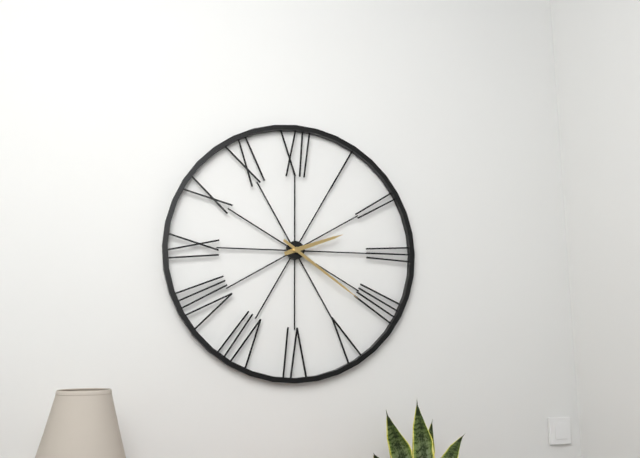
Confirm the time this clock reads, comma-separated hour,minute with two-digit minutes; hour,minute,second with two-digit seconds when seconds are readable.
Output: 2,21
